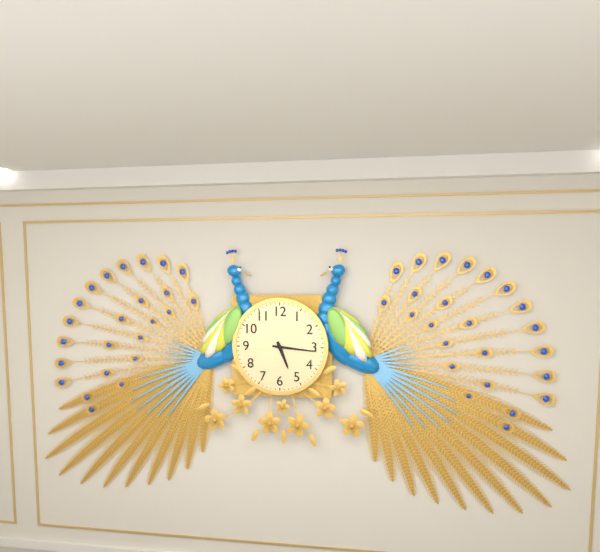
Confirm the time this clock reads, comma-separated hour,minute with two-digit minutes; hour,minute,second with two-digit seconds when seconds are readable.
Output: 5,16
